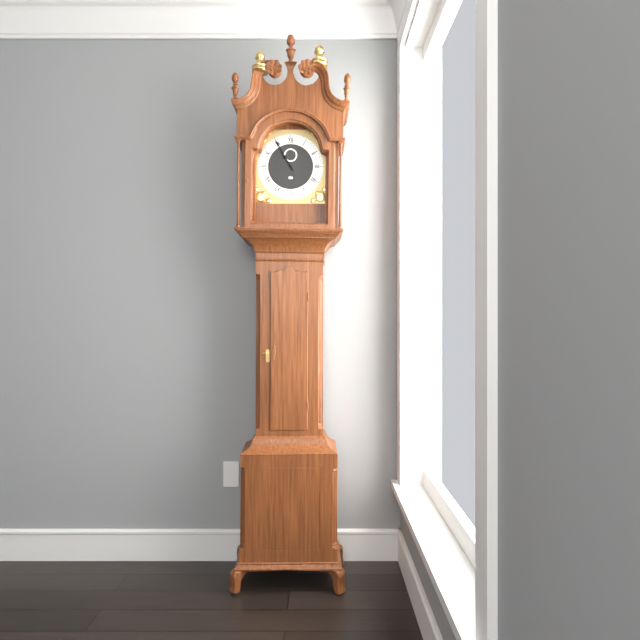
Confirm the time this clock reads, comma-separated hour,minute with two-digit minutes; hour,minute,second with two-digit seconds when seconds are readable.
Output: 10,55
